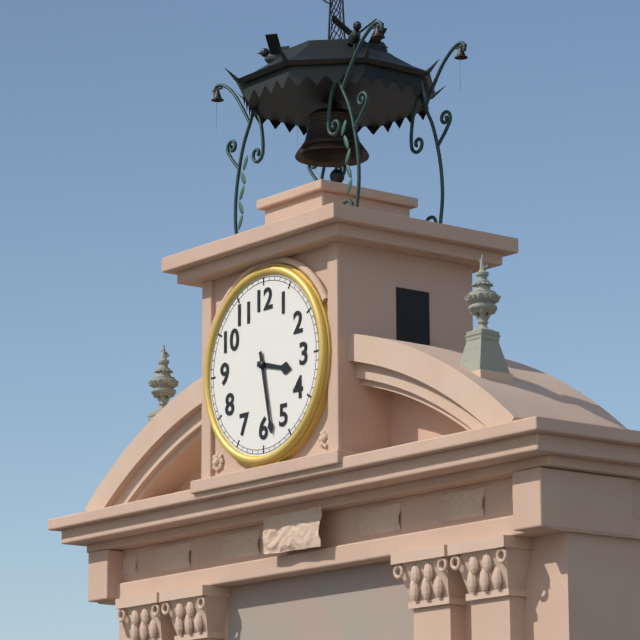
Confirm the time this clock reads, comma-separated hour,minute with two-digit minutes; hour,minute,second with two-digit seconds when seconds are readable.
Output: 3,28
